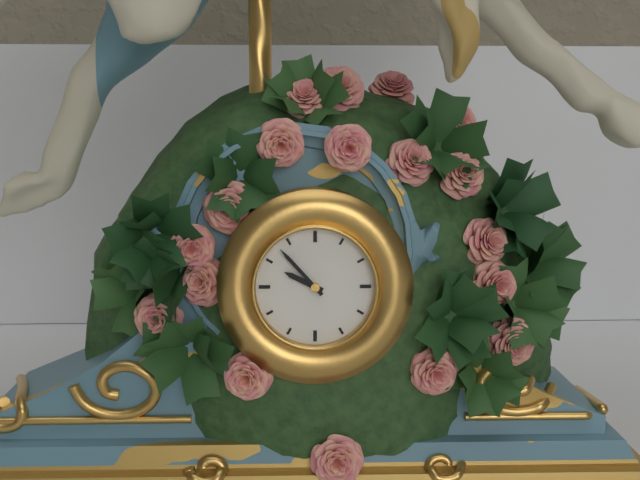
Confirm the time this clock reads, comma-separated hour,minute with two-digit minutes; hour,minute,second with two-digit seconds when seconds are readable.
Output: 9,53
